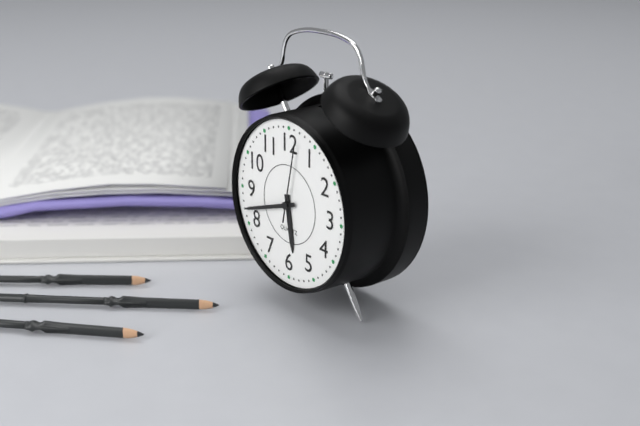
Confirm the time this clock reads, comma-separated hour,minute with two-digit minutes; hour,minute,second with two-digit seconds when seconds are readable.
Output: 5,42,02
